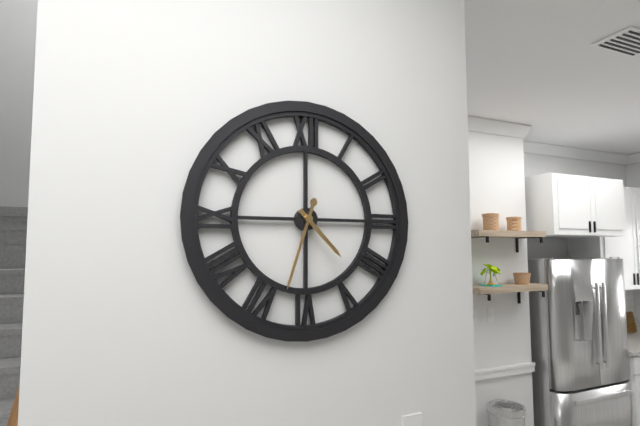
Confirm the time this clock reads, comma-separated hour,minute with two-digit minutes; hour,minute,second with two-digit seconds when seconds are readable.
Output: 4,33
